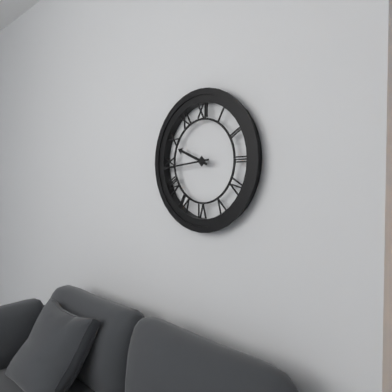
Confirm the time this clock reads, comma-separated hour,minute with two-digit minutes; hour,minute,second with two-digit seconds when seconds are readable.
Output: 9,44
